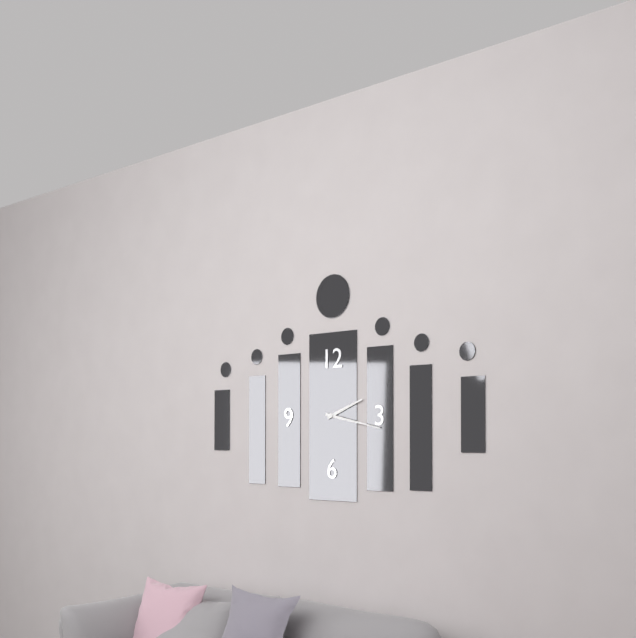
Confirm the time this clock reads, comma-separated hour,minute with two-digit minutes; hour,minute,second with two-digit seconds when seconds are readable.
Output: 2,17
